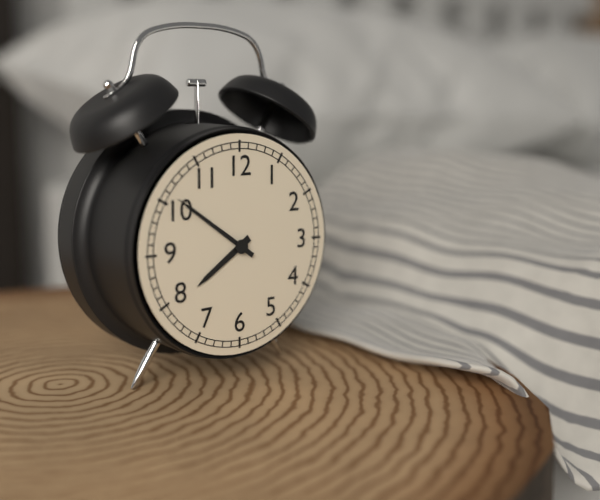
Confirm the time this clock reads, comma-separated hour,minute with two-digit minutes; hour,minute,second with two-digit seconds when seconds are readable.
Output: 7,51
